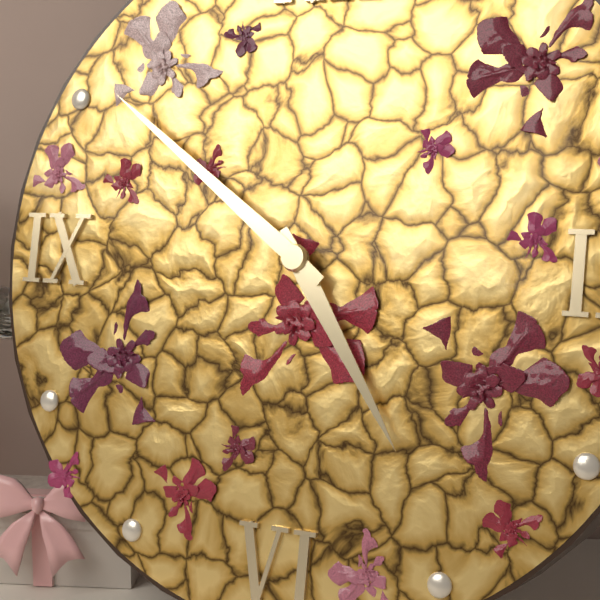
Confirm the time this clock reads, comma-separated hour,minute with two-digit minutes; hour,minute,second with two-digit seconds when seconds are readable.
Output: 4,51
